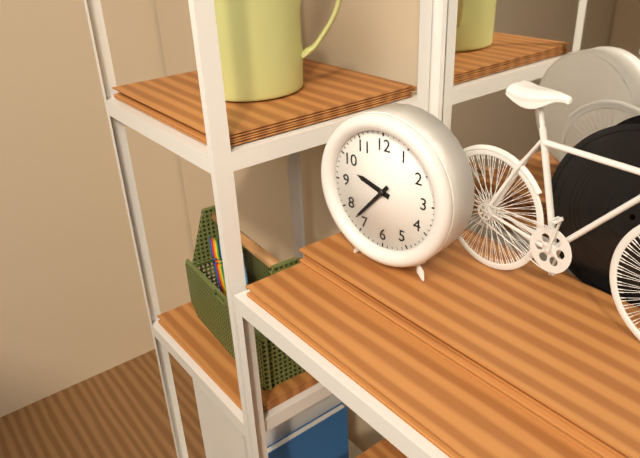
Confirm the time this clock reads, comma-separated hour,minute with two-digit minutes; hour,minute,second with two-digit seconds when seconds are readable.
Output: 9,37
